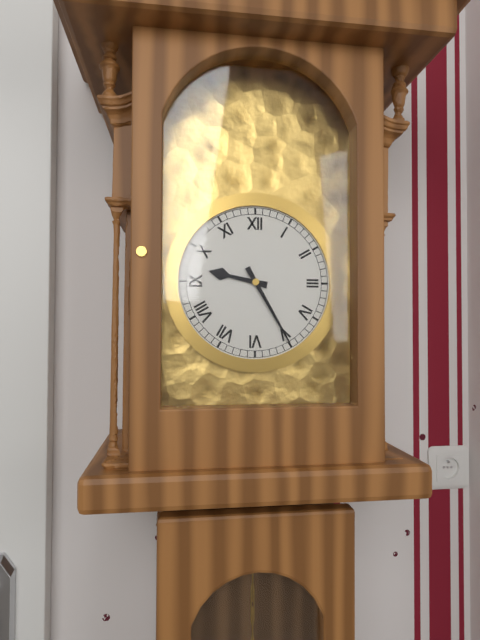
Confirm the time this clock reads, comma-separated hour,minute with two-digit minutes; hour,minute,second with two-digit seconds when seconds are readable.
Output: 9,25
